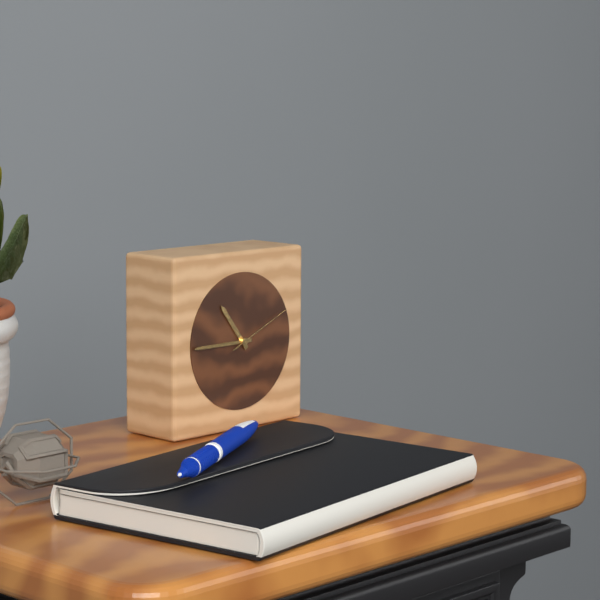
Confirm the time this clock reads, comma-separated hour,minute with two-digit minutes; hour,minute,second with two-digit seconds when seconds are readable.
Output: 10,45,11
